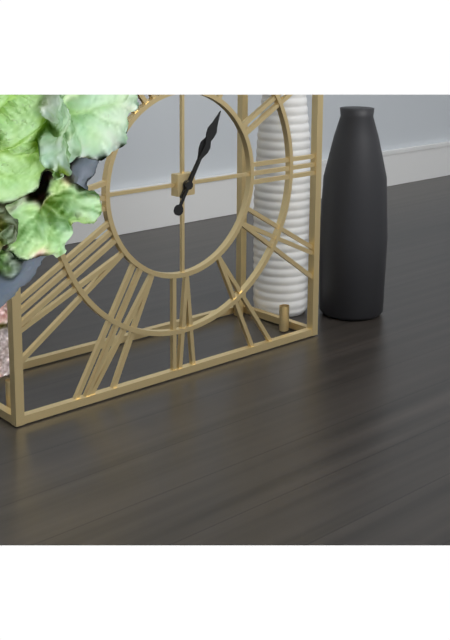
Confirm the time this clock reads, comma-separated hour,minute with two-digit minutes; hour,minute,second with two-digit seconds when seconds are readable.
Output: 1,05
